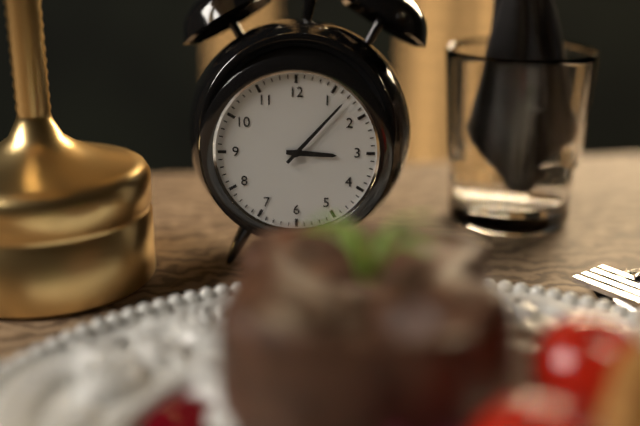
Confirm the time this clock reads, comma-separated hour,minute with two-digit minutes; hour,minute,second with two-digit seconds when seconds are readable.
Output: 3,07
